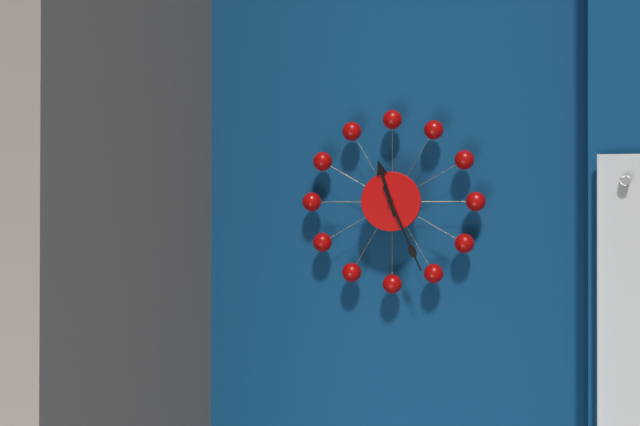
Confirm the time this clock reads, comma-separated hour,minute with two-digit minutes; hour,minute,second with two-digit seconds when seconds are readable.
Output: 11,26
